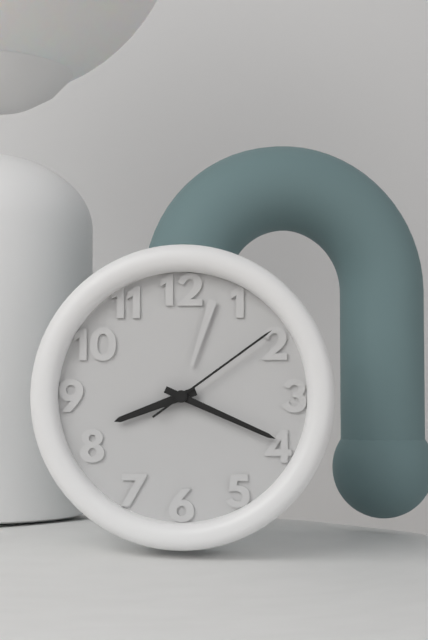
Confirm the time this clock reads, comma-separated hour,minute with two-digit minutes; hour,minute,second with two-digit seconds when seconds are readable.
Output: 8,19,09
